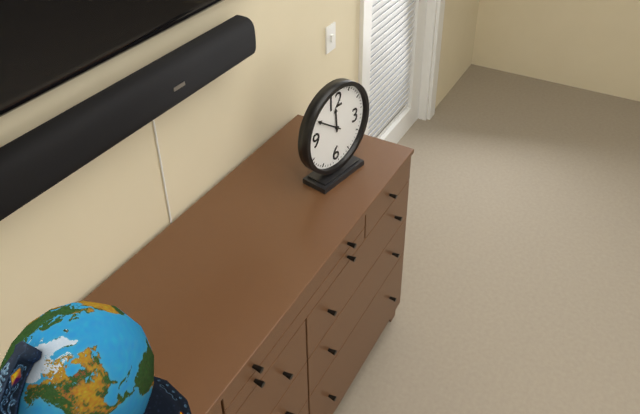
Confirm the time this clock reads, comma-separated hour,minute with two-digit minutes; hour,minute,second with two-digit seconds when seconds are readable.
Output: 11,51
